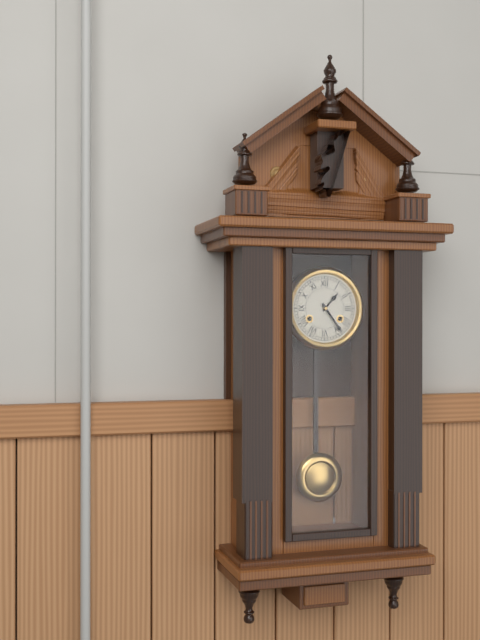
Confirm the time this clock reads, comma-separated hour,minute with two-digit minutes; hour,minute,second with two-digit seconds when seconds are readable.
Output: 1,24
